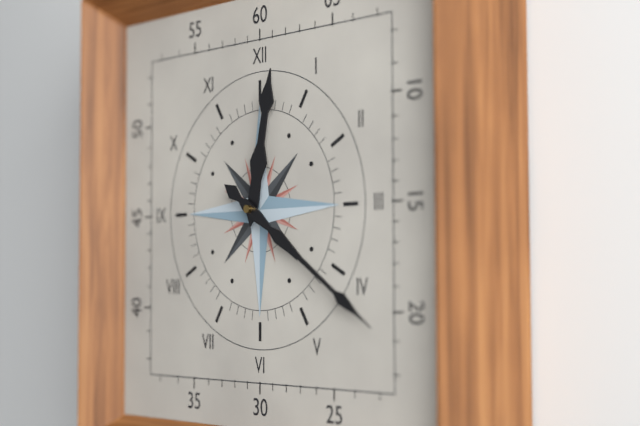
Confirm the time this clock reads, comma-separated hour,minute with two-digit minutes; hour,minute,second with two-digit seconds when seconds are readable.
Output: 12,21
